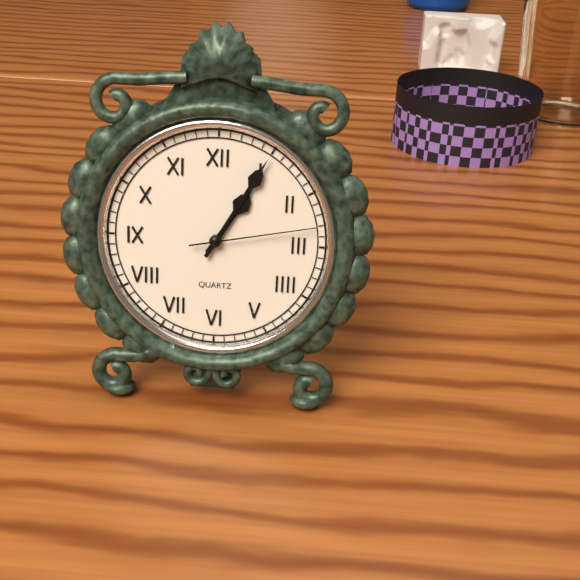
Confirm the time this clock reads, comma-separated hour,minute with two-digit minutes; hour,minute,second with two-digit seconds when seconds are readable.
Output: 1,05,13
